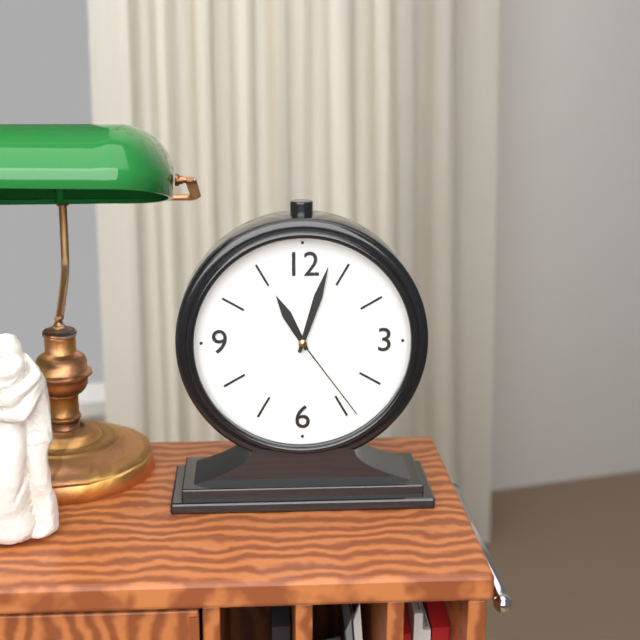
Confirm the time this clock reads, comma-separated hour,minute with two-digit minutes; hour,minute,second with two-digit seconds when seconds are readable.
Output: 11,03,24
